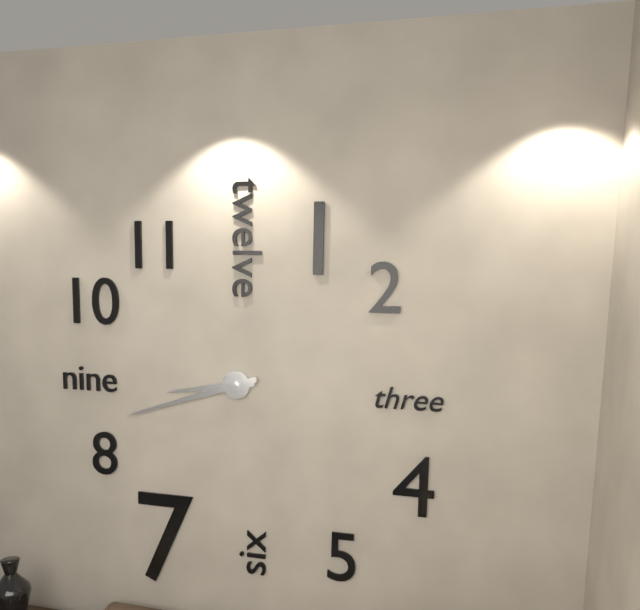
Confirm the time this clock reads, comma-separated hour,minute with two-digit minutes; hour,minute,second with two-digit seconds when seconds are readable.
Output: 8,42
